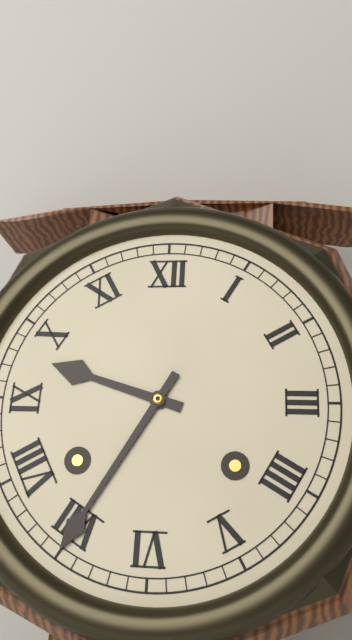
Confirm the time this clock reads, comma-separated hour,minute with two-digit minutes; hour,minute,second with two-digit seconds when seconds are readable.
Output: 9,35
